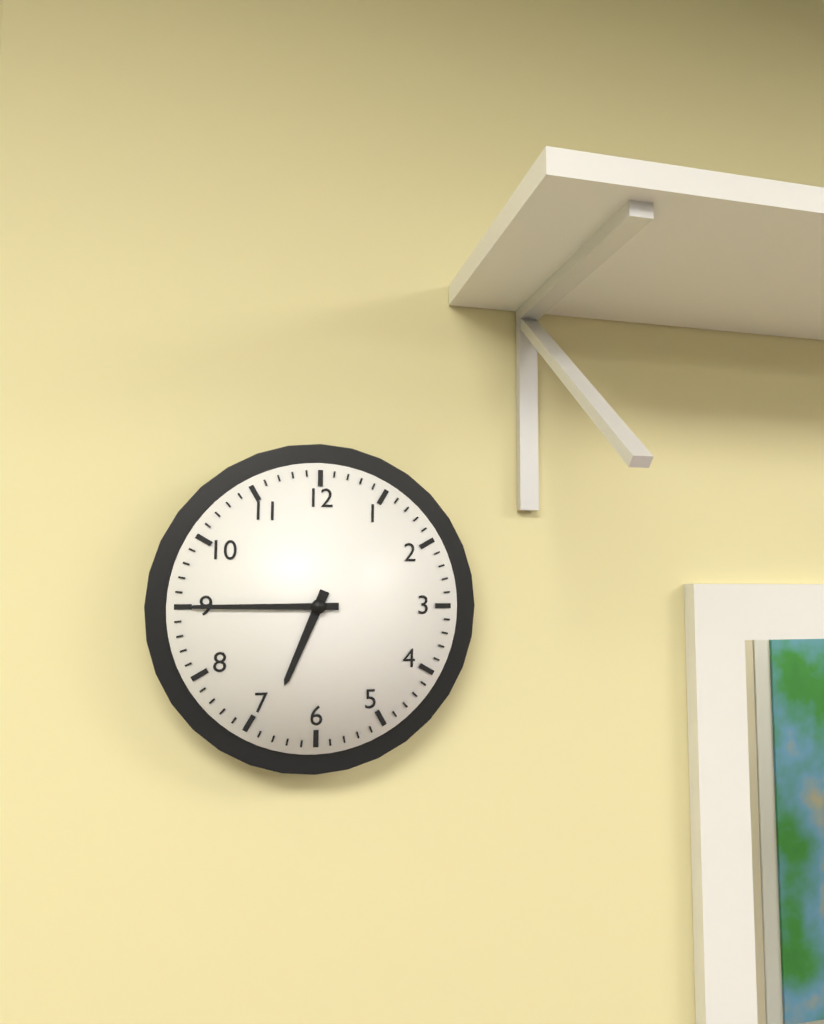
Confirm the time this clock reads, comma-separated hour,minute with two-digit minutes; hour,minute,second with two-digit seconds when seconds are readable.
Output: 6,45
